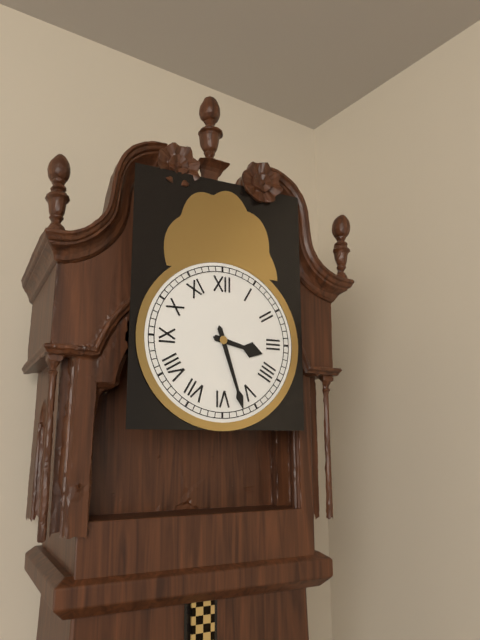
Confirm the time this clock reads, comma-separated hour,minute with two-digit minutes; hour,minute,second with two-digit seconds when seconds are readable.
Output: 3,27
